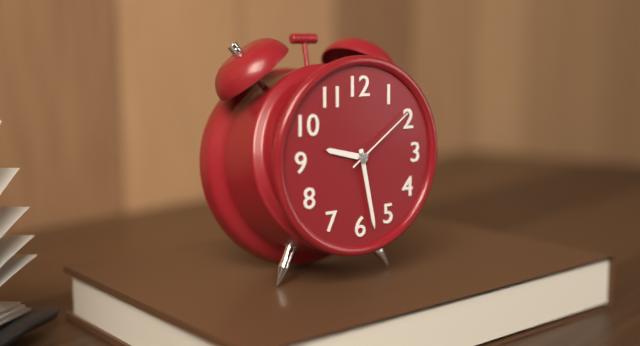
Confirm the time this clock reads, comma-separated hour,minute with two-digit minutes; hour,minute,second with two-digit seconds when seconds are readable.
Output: 9,28,09
